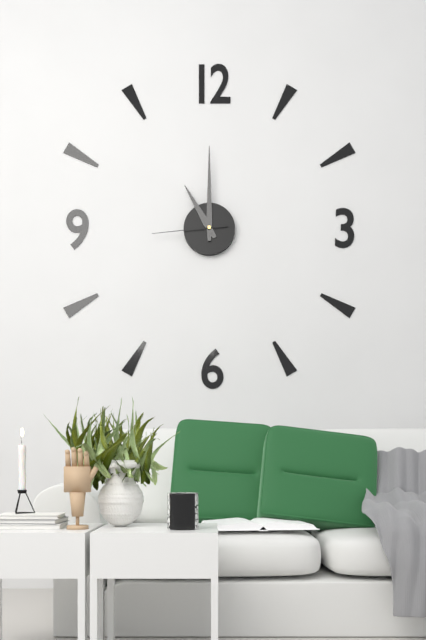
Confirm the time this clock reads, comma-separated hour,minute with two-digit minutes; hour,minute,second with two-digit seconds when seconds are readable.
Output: 11,00,44
